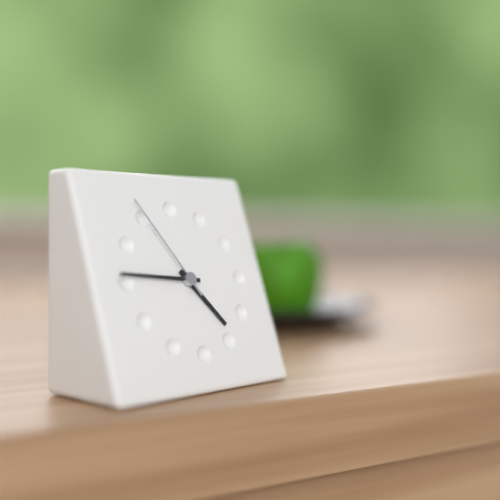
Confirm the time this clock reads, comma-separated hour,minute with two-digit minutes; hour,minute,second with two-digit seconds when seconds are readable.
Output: 4,46,55
